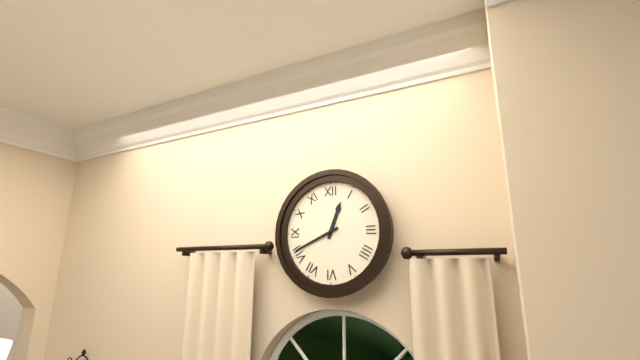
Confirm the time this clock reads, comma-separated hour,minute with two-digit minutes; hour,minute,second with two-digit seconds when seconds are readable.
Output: 12,41
